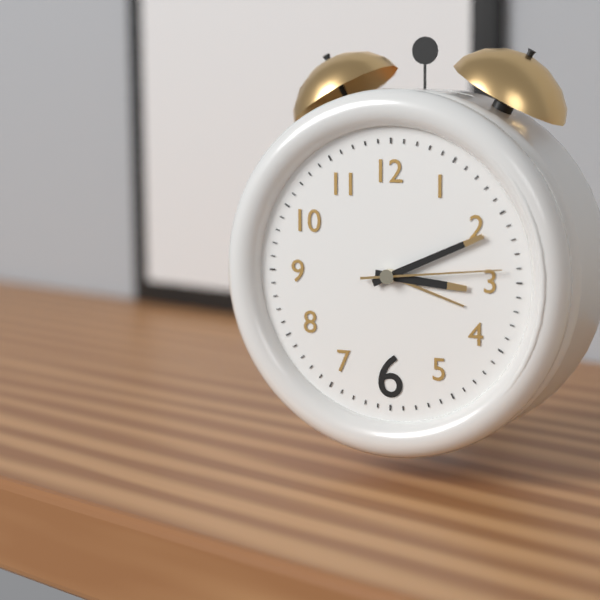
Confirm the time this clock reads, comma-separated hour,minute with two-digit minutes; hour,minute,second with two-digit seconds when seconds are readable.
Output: 3,11,14
